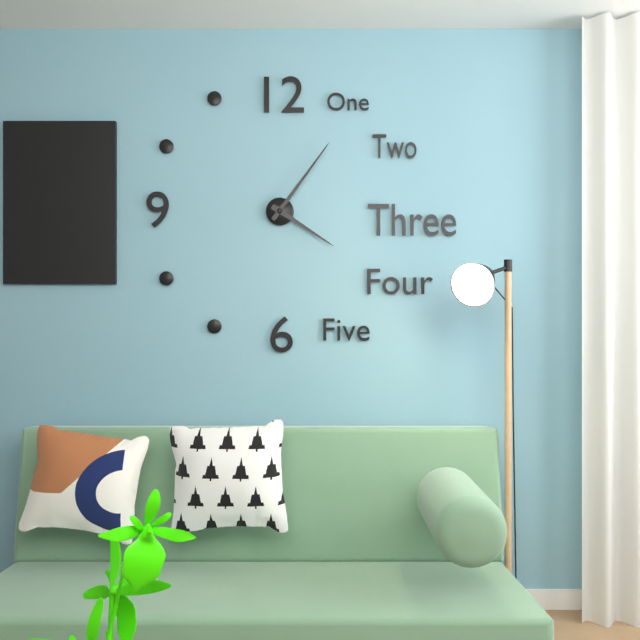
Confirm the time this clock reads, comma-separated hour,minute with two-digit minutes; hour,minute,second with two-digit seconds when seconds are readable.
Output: 4,06
